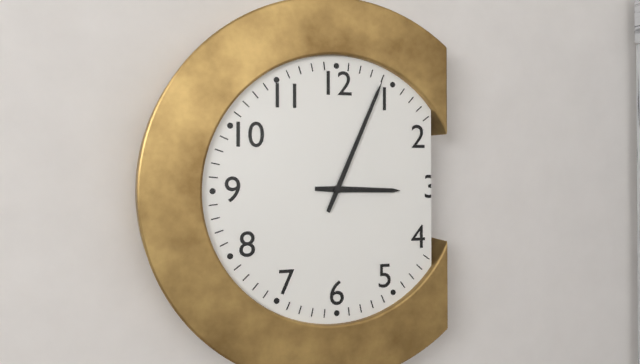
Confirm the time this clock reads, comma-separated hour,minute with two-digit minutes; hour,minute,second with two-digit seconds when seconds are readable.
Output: 3,04,15
